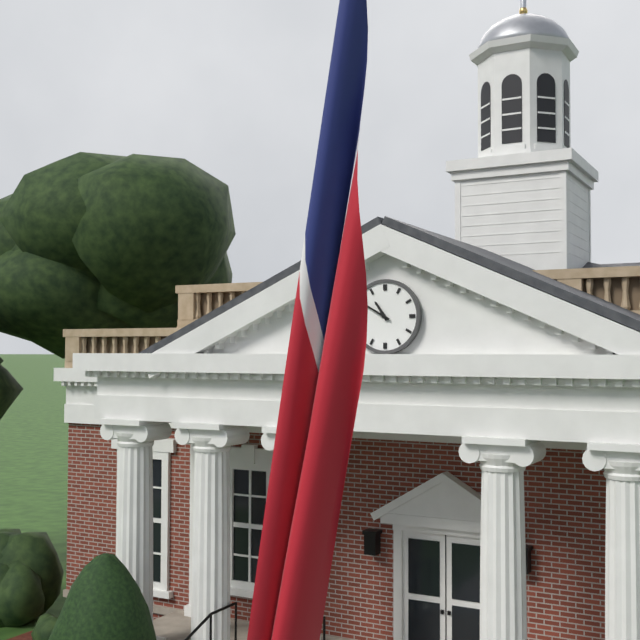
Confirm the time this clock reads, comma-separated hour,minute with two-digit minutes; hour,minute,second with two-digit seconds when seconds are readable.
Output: 10,50
